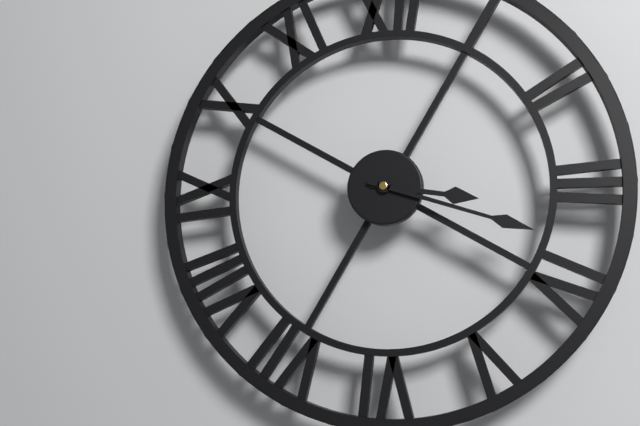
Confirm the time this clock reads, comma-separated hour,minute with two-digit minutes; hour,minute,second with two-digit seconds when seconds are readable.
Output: 3,18
